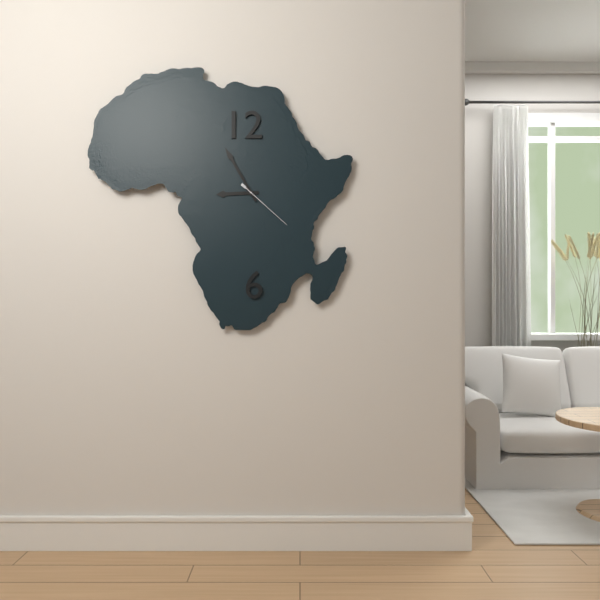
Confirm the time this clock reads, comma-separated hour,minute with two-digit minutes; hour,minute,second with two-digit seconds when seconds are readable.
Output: 8,55,22
